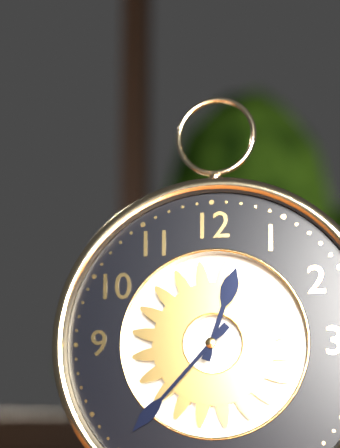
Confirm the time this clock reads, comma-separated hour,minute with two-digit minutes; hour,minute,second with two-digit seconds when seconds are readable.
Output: 12,37
